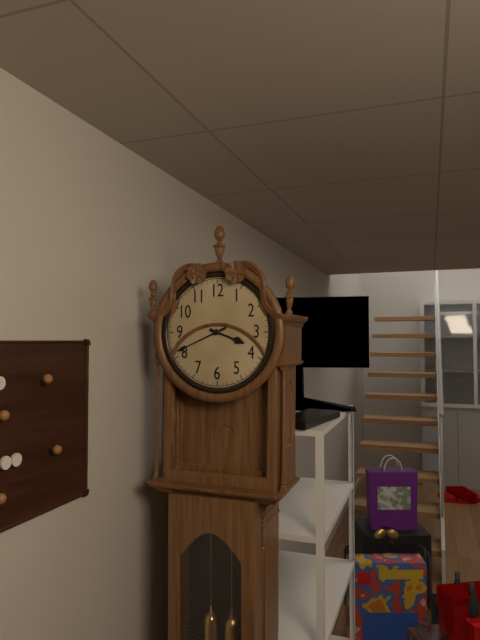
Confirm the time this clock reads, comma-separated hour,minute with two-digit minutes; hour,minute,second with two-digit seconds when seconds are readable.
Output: 3,41
